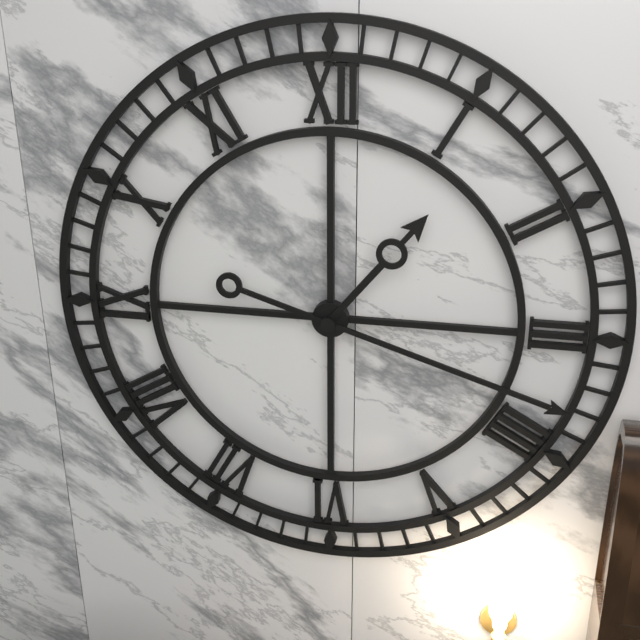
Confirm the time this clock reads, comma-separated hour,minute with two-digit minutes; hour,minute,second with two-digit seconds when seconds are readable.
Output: 1,18
